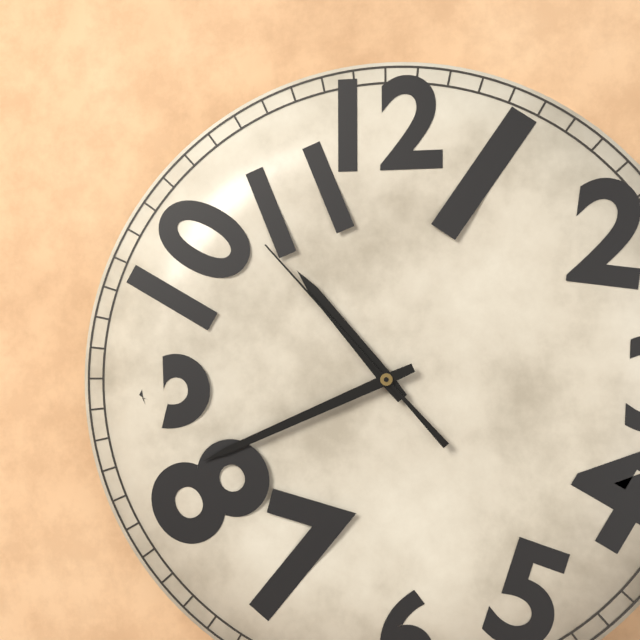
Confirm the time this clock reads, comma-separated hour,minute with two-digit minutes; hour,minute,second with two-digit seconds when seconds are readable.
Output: 10,41,53
